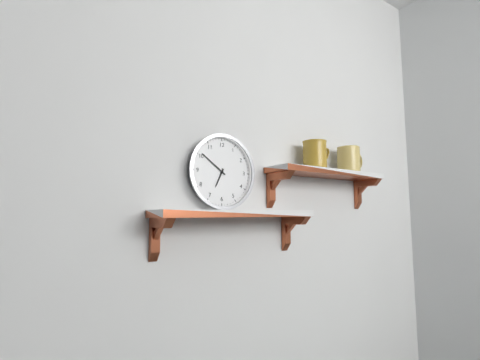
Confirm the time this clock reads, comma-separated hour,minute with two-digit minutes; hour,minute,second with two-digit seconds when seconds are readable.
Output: 6,51
